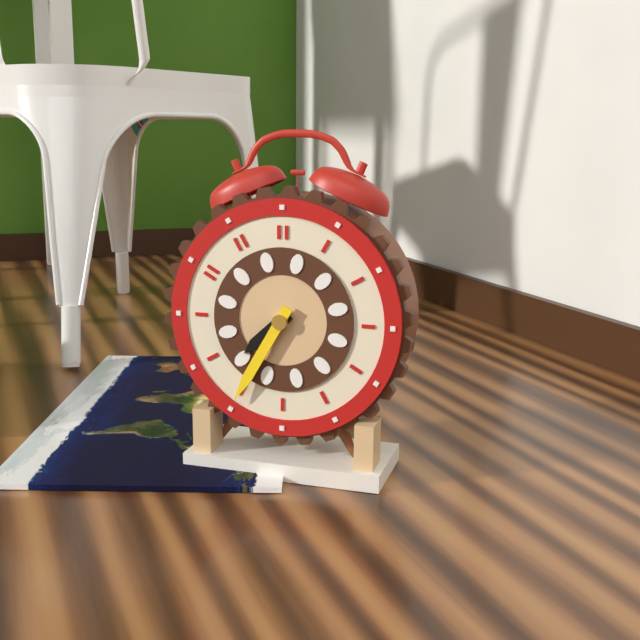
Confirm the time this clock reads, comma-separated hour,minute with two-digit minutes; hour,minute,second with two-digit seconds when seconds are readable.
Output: 7,35
